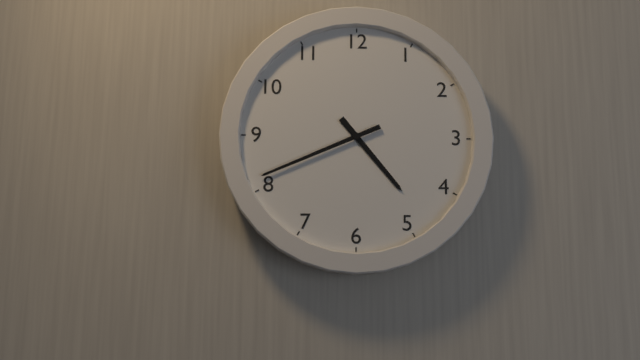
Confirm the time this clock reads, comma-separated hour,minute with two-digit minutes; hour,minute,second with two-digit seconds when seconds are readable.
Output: 4,41
